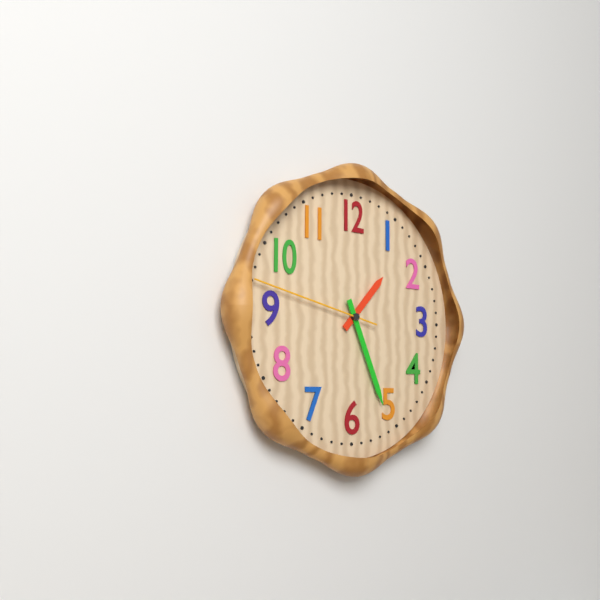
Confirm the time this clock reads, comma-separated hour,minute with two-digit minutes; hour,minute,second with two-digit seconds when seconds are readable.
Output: 1,26,47
